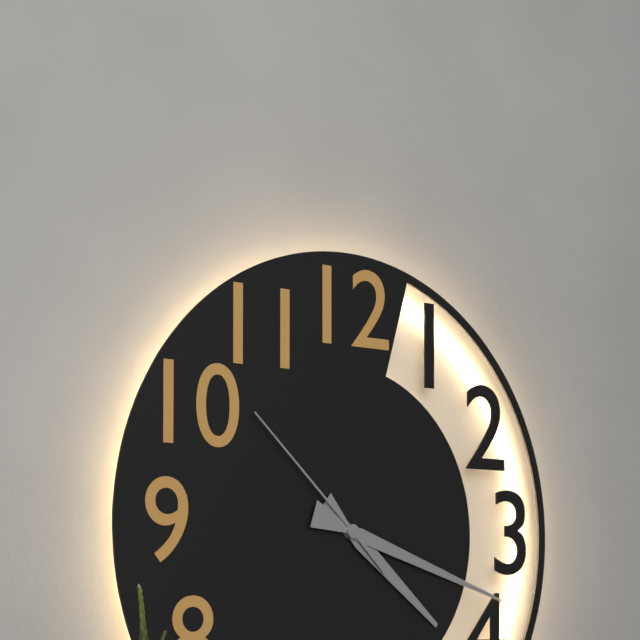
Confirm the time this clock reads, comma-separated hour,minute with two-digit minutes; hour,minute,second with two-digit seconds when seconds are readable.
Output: 4,18,52
